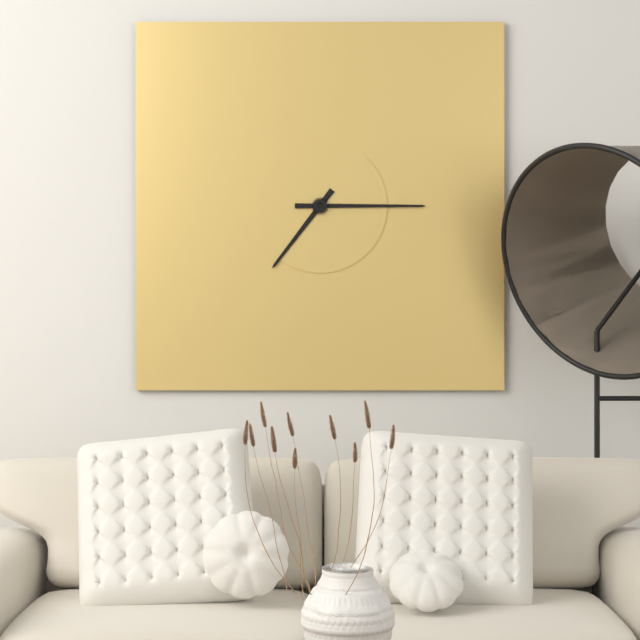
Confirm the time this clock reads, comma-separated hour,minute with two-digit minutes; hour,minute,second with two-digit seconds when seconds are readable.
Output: 7,15
